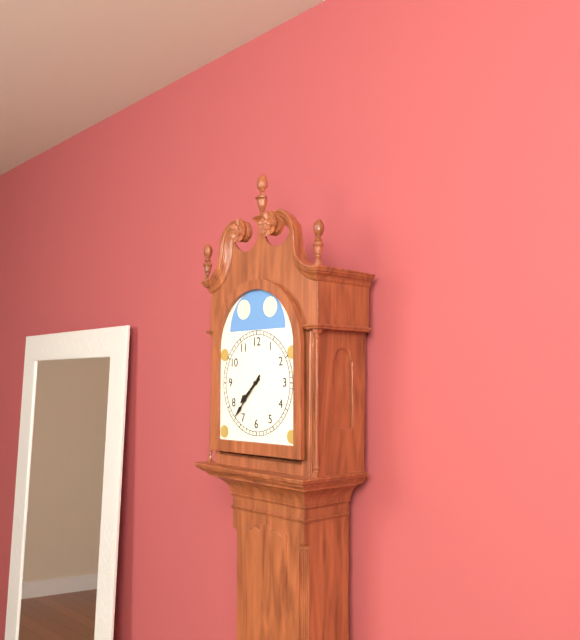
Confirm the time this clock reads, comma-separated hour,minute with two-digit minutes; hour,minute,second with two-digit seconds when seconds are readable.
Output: 7,37
